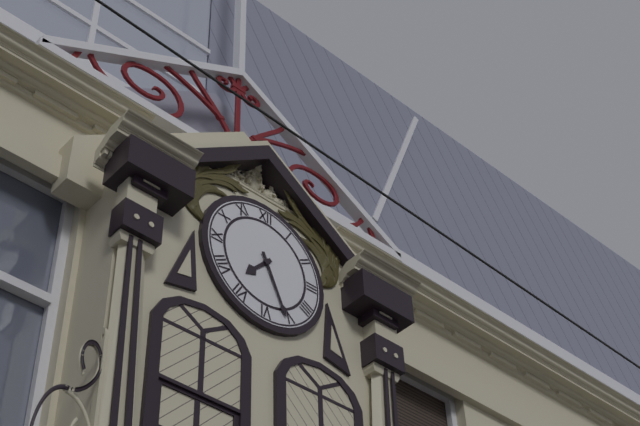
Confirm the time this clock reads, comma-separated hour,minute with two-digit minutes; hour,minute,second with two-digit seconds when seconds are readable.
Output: 7,26
